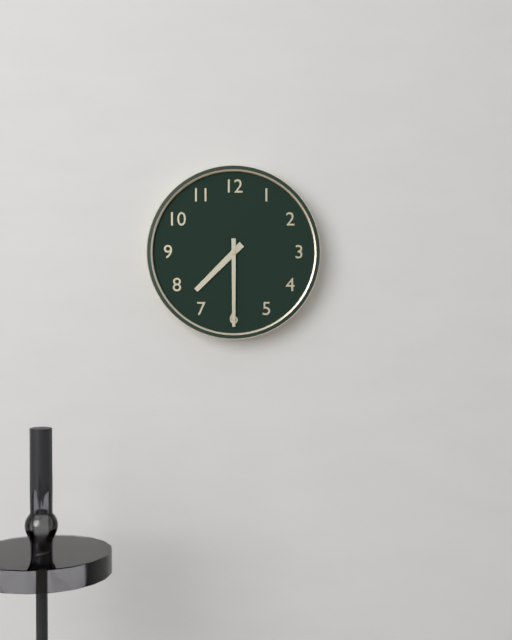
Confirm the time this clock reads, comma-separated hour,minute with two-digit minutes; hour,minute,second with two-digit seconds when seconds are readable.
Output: 7,30
